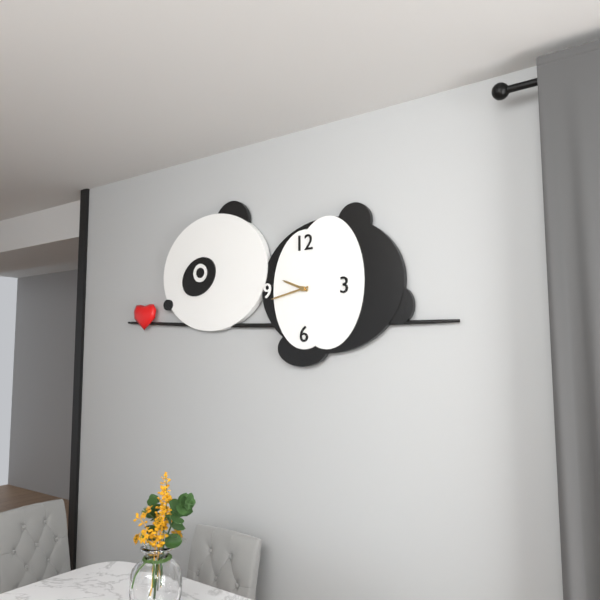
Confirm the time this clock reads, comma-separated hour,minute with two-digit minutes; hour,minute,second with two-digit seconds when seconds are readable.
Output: 9,43
